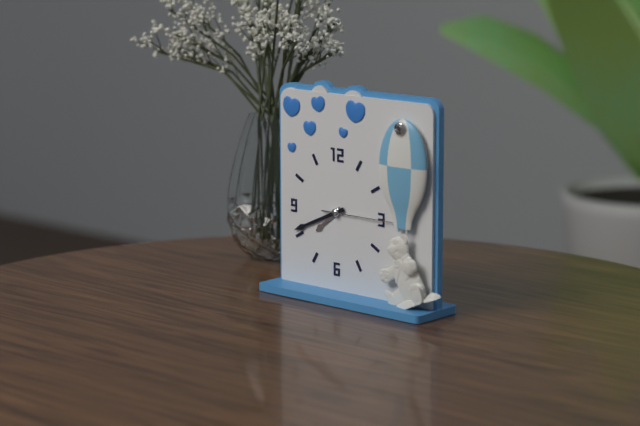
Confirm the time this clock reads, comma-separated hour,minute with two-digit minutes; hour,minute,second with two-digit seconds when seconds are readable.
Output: 7,41,15
